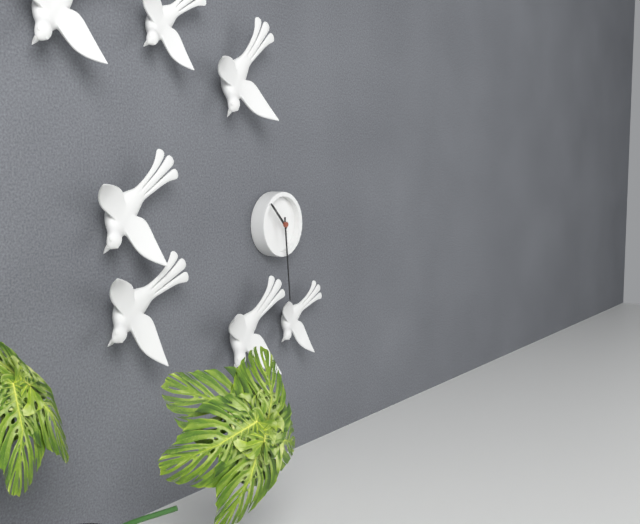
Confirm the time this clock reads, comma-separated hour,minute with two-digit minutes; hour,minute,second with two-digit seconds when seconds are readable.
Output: 10,29
